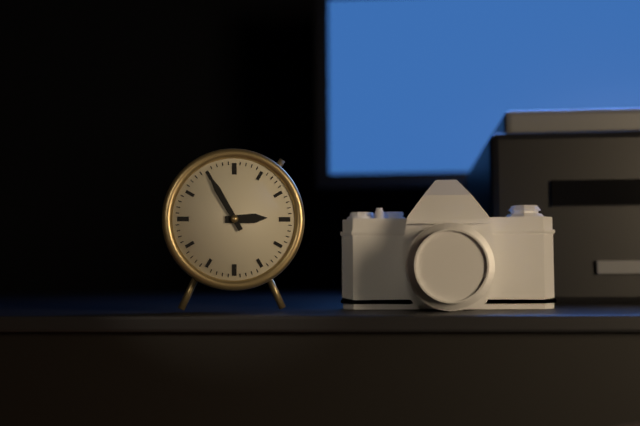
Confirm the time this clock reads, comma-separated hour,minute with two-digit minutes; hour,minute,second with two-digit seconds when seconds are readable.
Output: 2,55
